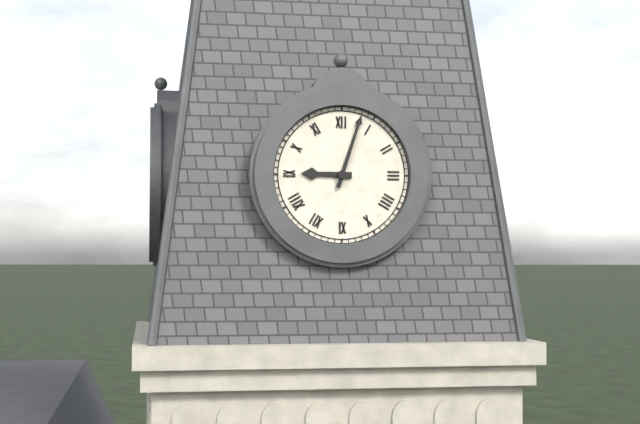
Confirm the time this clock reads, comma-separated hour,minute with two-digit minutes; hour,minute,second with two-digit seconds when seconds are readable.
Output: 9,03
